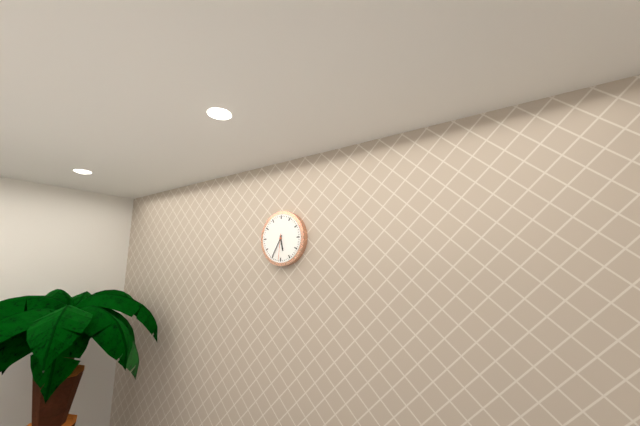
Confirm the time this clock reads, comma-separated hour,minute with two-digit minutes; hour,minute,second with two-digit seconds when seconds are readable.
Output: 5,35
